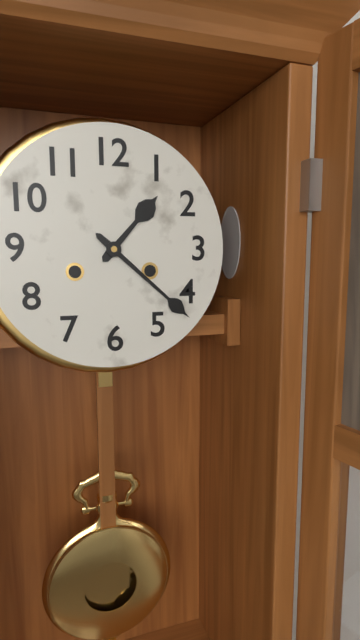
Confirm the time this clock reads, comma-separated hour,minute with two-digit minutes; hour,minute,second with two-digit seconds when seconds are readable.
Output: 1,22
